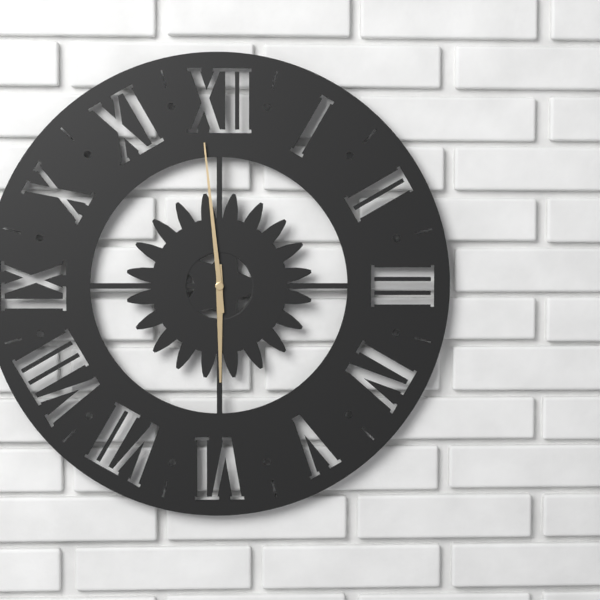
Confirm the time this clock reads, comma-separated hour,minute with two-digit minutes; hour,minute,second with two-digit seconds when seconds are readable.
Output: 5,59
